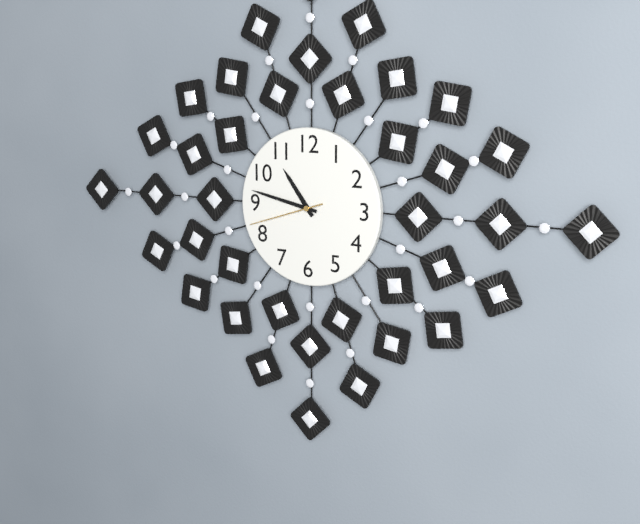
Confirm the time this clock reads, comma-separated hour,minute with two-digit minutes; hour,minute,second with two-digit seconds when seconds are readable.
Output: 10,47,42
